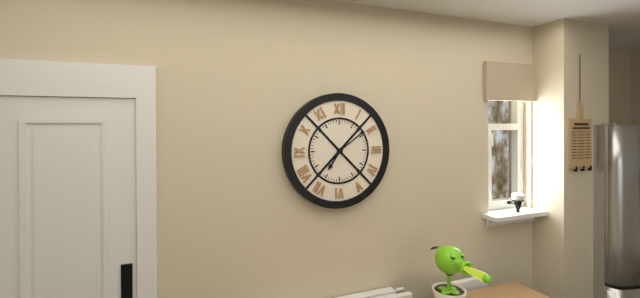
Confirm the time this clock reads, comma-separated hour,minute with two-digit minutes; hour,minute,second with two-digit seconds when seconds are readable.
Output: 7,09
